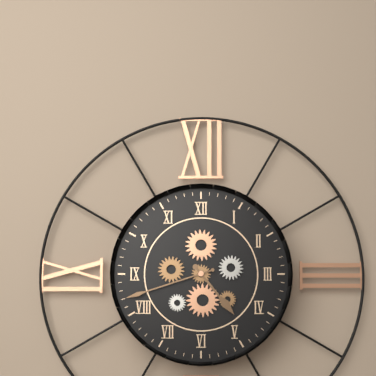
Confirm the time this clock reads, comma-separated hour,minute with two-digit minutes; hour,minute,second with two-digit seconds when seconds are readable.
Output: 4,42
